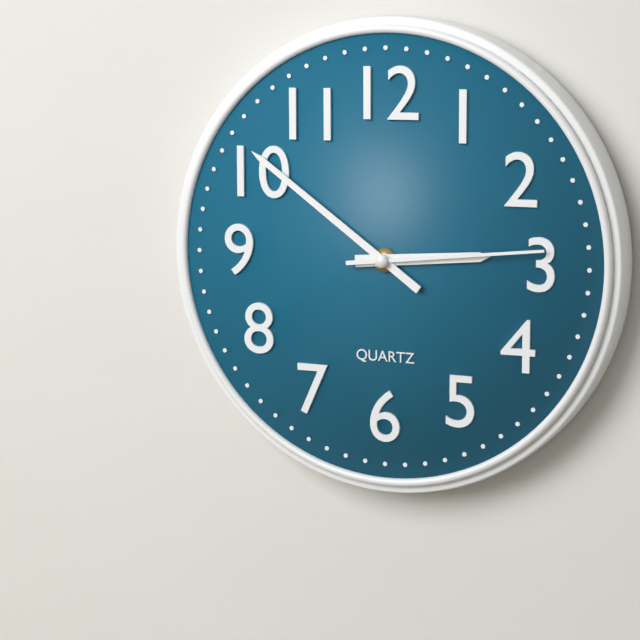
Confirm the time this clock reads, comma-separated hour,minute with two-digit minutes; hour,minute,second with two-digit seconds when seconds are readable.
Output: 2,51,14
